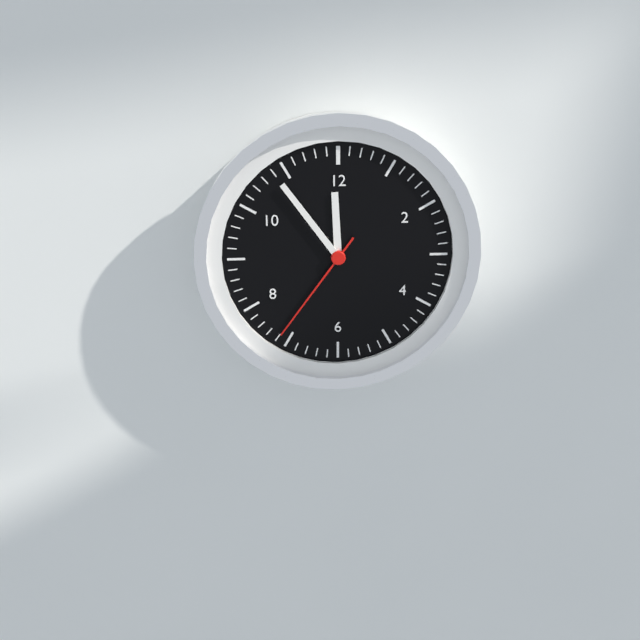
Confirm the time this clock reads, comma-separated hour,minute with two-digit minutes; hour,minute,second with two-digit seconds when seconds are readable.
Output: 11,54,36
